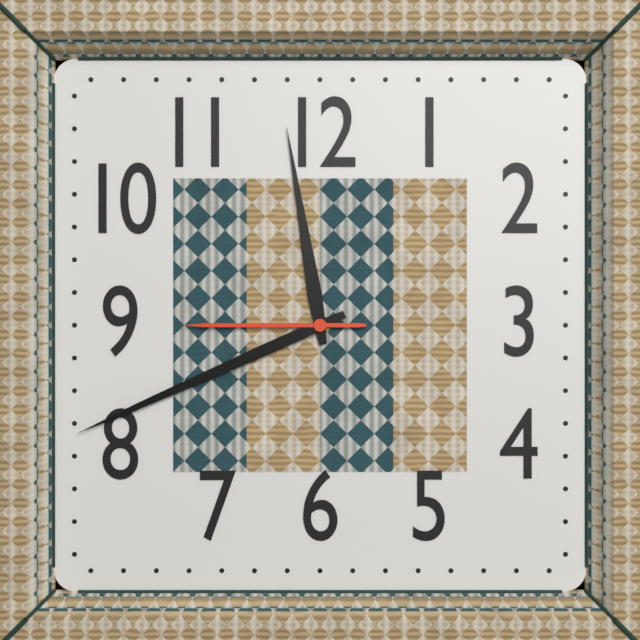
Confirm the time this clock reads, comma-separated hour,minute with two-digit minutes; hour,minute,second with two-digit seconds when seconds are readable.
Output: 11,41,45
